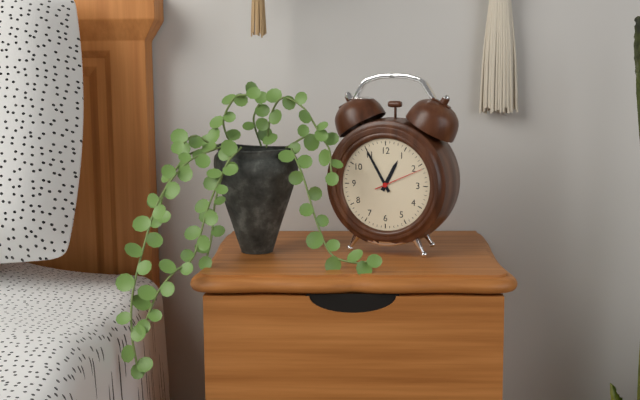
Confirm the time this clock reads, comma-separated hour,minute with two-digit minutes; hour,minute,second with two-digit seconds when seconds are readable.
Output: 12,55
